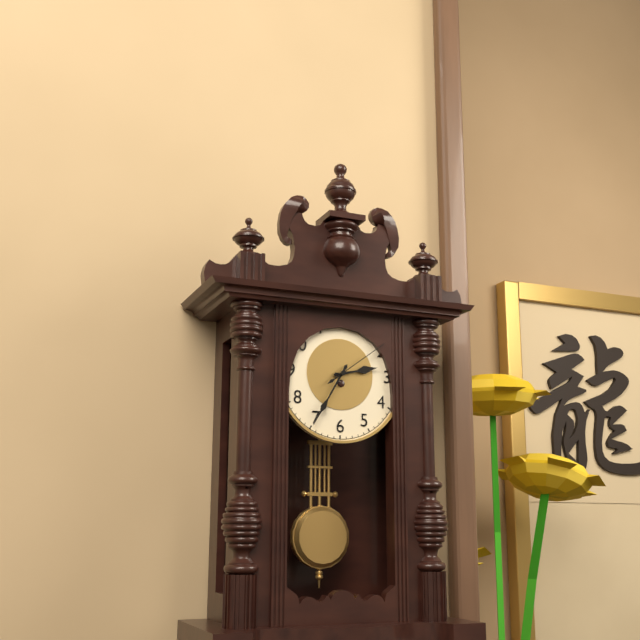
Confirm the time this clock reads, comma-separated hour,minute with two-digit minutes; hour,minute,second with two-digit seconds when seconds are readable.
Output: 2,35,09
